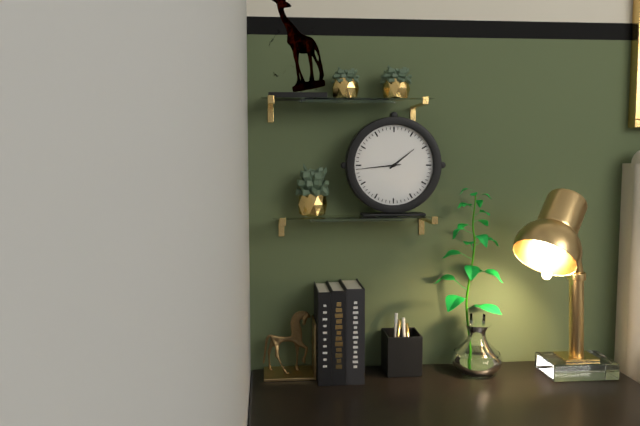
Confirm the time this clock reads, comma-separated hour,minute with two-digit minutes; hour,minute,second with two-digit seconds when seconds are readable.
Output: 1,44
